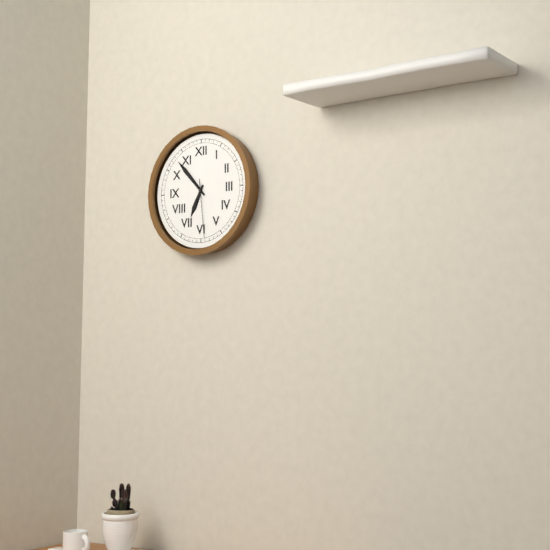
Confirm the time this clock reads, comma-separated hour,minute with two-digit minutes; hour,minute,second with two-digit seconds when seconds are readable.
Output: 6,53,29
